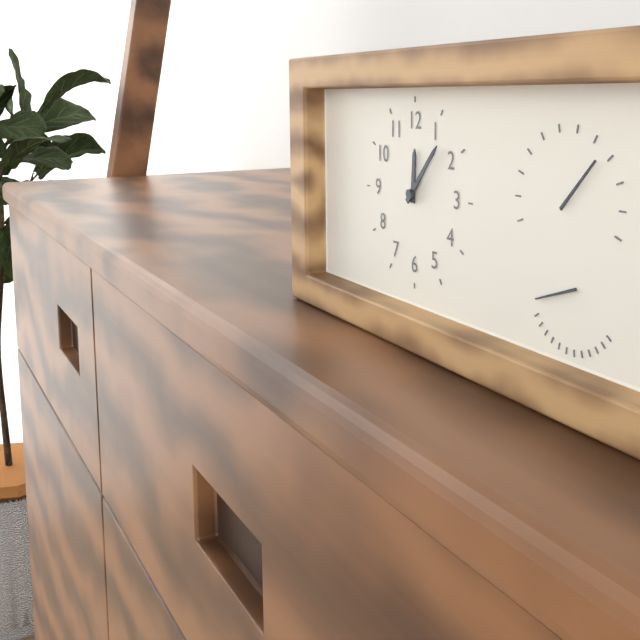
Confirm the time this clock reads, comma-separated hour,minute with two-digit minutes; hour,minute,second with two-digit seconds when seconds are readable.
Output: 12,07
